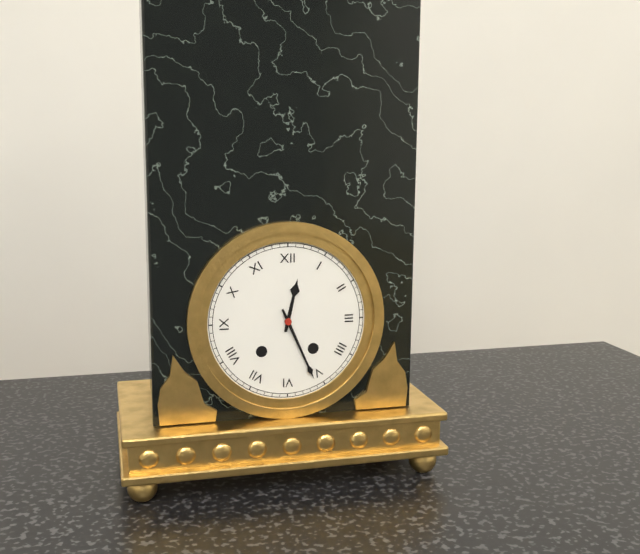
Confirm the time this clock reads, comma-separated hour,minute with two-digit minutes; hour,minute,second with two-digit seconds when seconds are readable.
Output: 12,26
